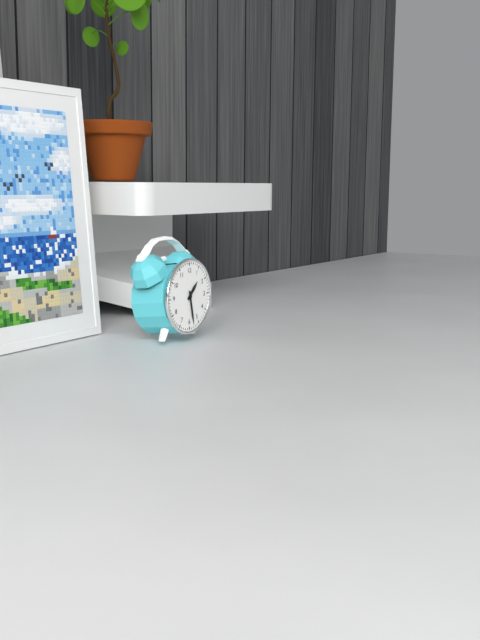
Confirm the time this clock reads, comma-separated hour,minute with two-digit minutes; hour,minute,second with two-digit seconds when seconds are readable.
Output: 1,28
